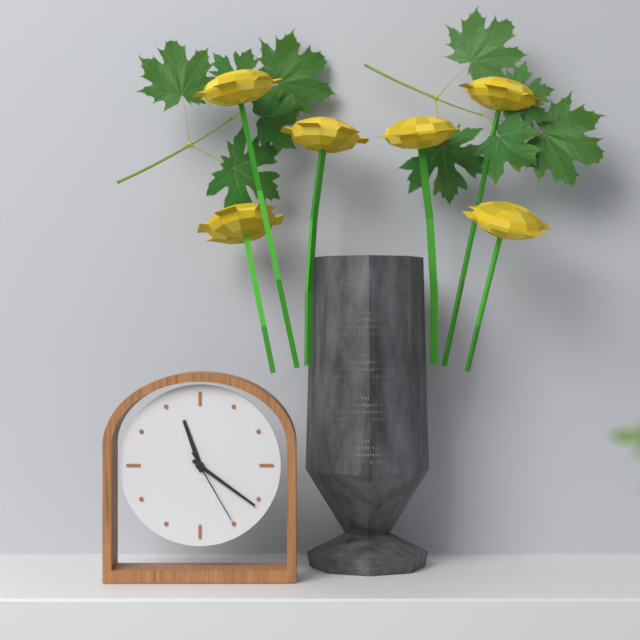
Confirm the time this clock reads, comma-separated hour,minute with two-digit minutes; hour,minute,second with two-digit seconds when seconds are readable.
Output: 11,21,25
